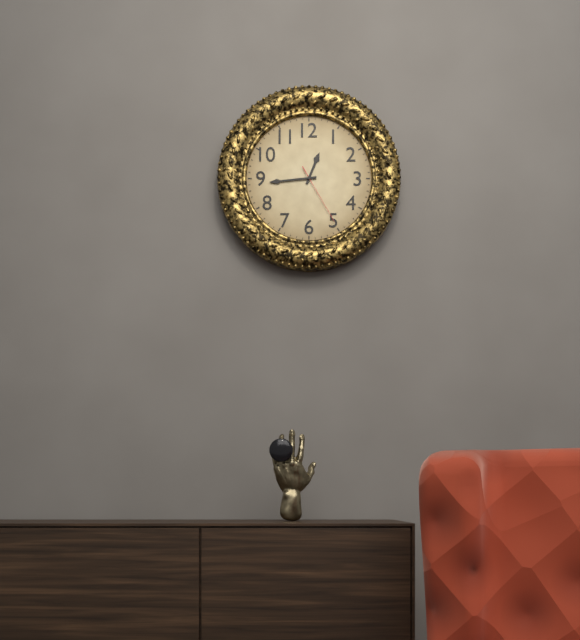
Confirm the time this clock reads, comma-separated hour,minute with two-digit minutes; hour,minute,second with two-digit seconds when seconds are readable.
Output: 12,44,25
